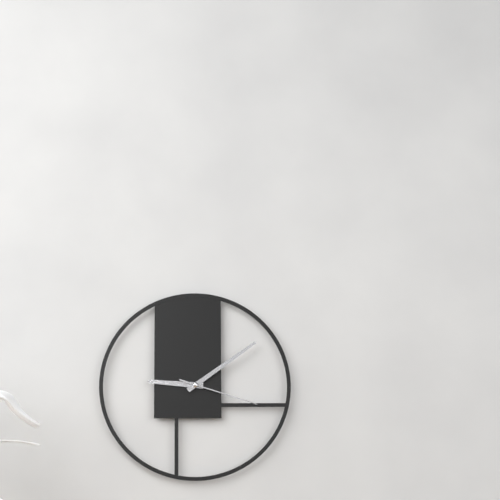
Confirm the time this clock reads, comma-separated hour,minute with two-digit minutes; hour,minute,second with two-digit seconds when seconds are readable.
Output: 9,09,18
